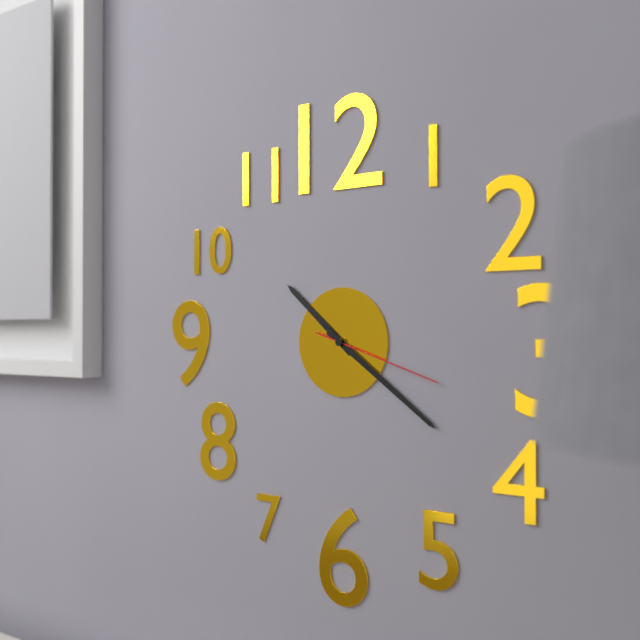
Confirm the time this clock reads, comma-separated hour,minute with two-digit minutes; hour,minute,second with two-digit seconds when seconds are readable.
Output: 10,21,18
